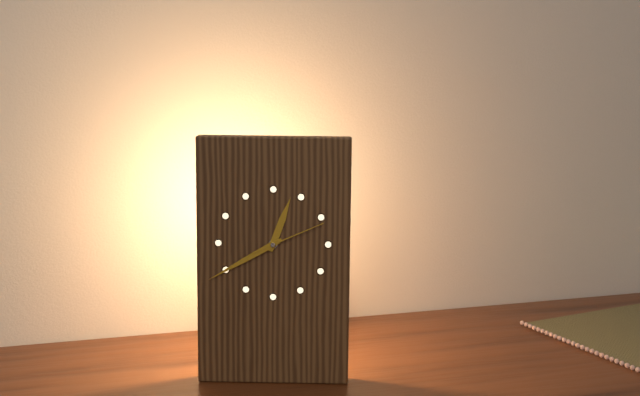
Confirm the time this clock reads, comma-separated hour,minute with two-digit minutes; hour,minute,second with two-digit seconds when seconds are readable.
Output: 12,40,11
